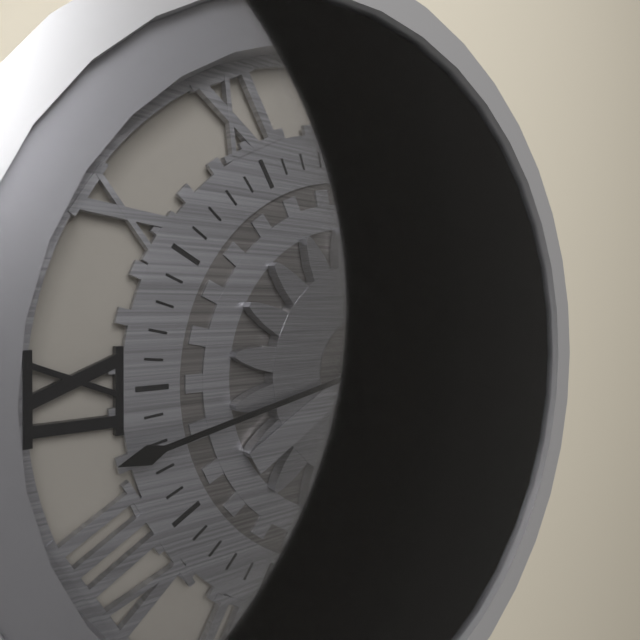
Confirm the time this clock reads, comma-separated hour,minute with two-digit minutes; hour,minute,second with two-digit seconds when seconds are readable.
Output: 5,43
